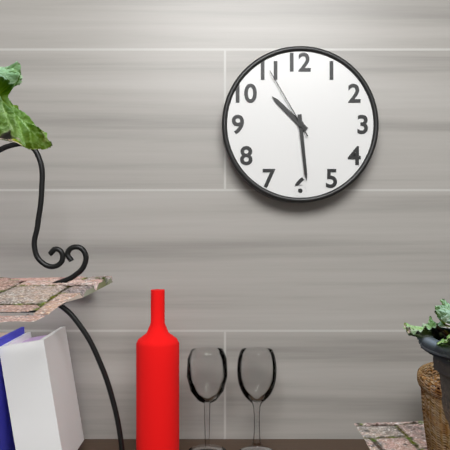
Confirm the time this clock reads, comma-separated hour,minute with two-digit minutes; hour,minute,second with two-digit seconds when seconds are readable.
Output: 10,29,55
